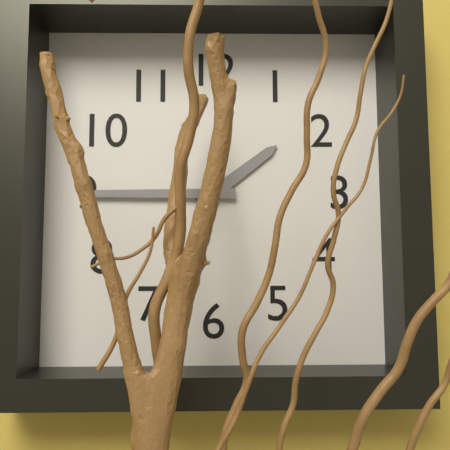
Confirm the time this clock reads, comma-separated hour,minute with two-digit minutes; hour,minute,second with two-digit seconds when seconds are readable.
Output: 1,45
